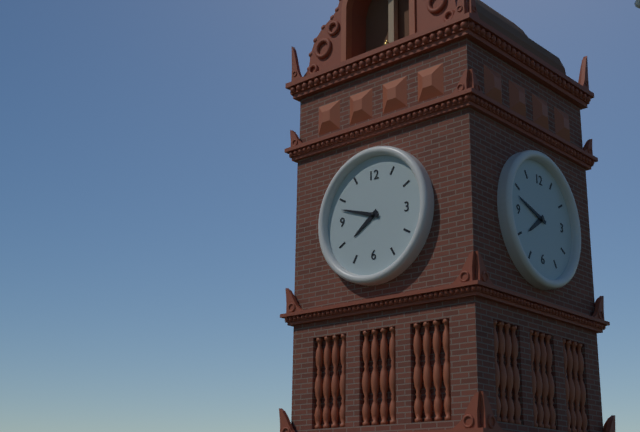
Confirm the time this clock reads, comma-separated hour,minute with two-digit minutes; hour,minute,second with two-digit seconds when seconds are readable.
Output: 7,48
